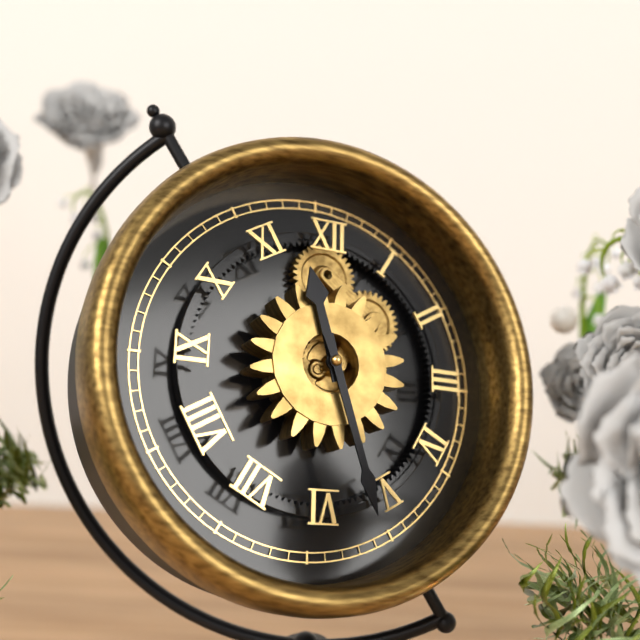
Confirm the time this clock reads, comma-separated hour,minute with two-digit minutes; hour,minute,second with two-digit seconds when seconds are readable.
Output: 11,27
